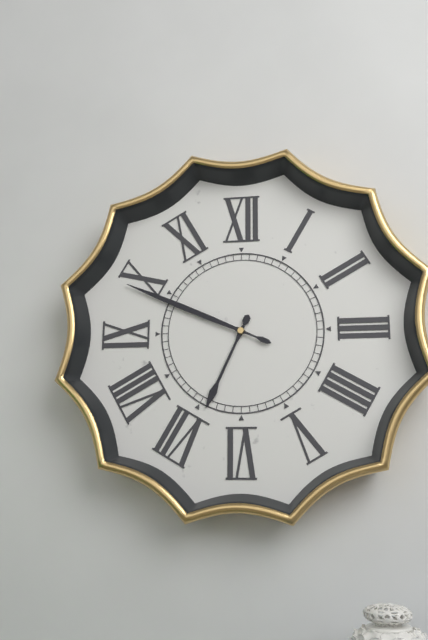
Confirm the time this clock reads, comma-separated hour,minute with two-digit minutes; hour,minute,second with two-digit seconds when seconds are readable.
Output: 6,49
